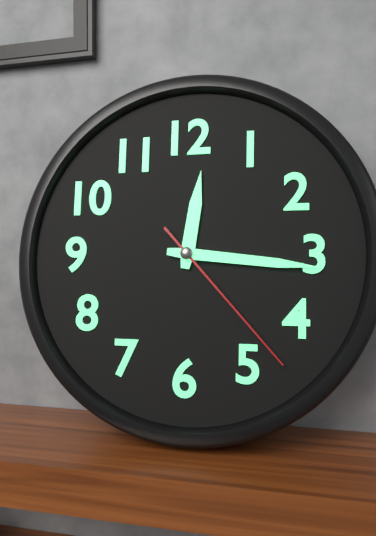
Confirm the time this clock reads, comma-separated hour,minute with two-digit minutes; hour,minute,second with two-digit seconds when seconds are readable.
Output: 12,16,23
